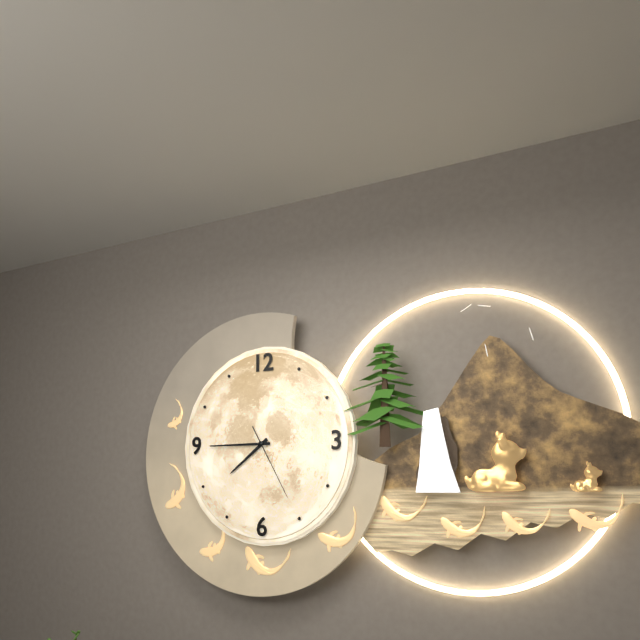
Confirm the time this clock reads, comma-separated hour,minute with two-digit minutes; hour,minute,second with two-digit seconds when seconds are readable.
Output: 7,45,25
